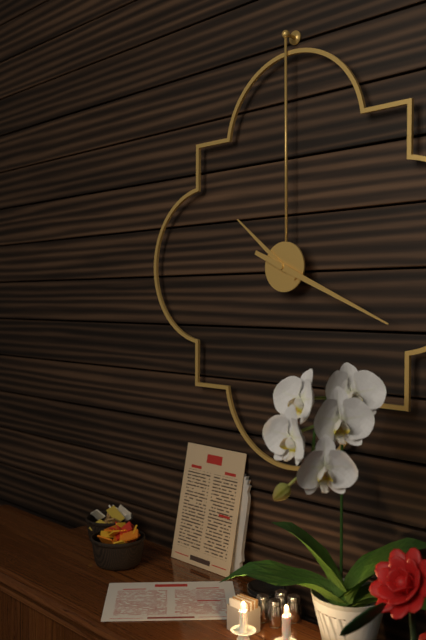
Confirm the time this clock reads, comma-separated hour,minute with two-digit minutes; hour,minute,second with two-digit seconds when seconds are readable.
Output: 10,19
